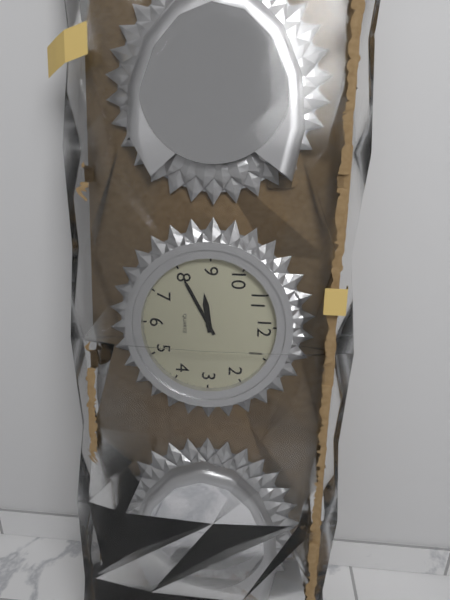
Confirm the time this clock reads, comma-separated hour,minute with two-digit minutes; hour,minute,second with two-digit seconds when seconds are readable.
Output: 8,40
